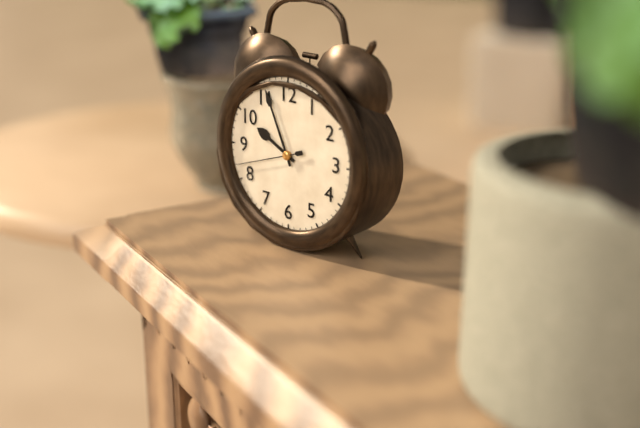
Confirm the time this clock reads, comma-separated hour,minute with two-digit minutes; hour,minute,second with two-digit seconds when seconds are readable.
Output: 9,56,42
